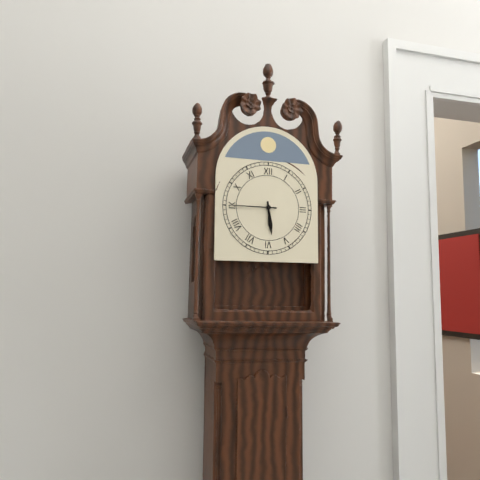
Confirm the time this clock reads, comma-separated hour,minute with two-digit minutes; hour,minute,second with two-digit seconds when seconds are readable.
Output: 5,45
